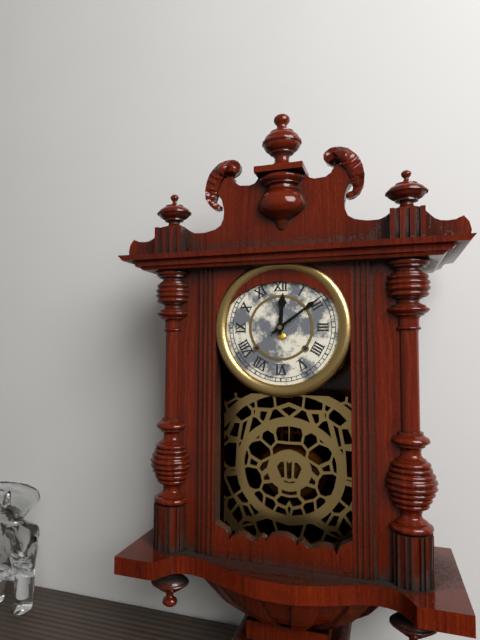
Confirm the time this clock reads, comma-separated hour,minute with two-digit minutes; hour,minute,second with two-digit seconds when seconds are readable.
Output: 12,09
